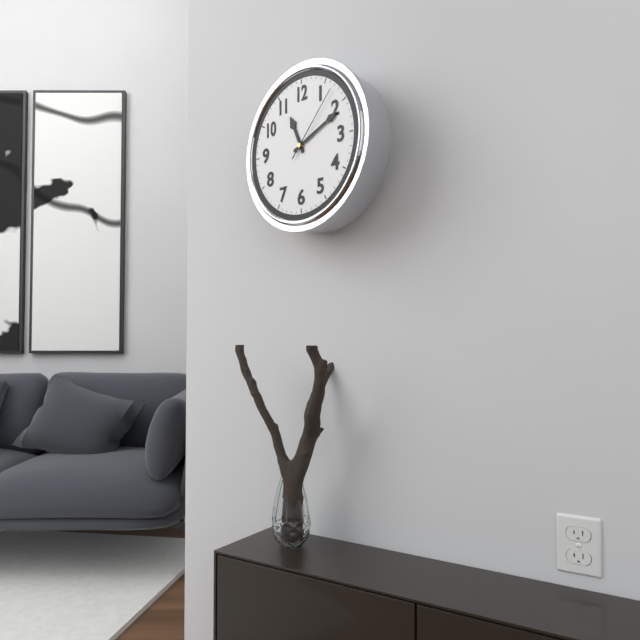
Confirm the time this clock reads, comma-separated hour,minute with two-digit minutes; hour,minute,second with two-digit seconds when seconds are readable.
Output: 11,11,07
